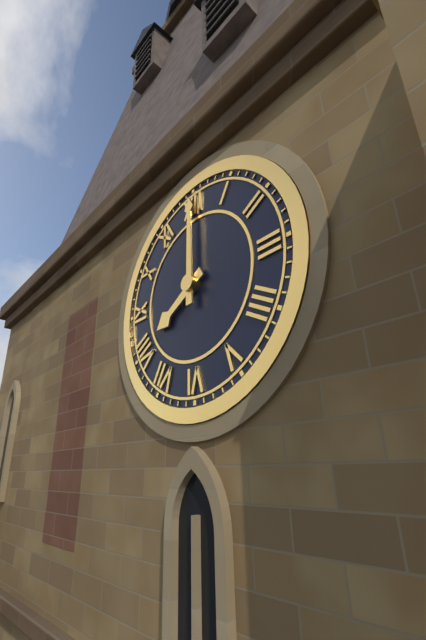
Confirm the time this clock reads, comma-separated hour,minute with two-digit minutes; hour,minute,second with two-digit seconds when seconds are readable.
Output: 8,00
